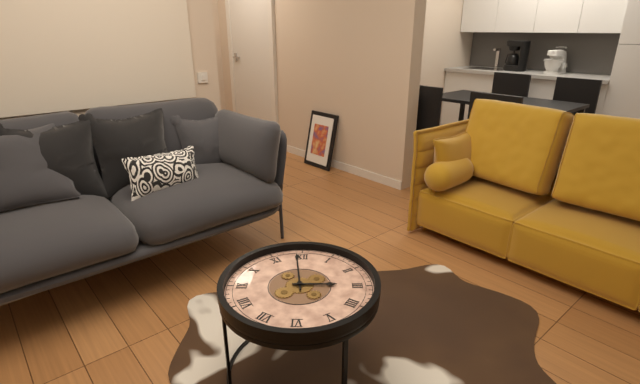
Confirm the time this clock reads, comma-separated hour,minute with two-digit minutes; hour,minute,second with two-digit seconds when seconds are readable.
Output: 2,59
